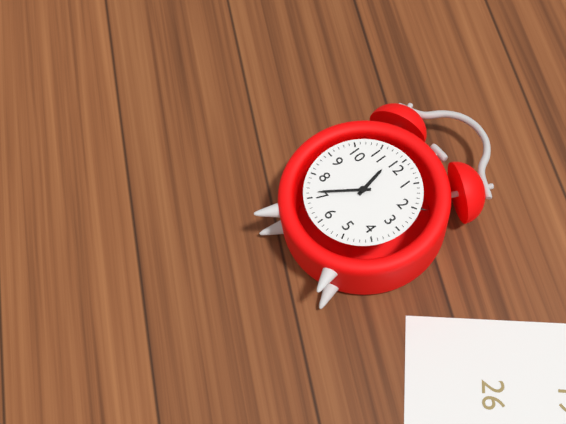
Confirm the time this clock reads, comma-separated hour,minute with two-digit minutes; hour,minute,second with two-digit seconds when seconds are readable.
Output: 11,36
